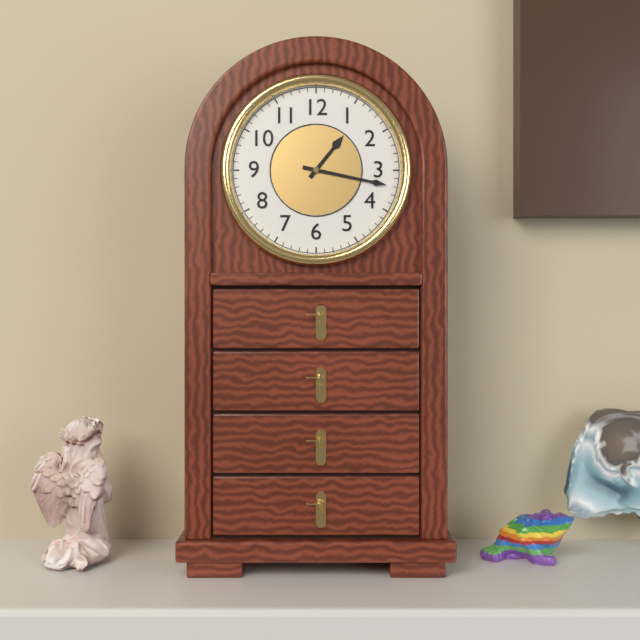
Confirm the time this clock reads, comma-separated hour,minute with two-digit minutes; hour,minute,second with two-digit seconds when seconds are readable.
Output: 1,17
